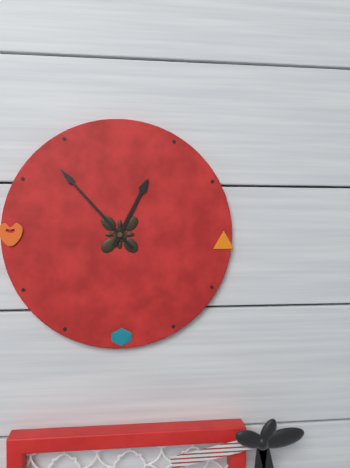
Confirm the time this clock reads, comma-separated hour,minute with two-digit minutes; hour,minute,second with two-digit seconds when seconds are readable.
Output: 12,53
